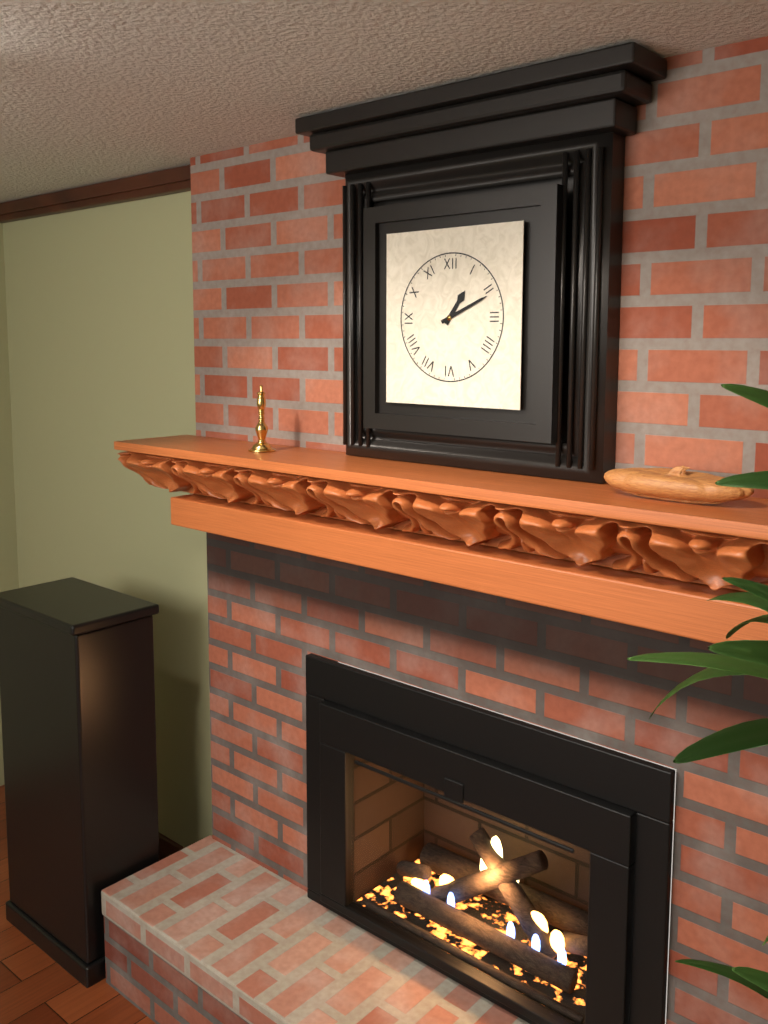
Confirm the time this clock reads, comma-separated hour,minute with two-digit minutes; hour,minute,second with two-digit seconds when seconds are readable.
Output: 1,11
